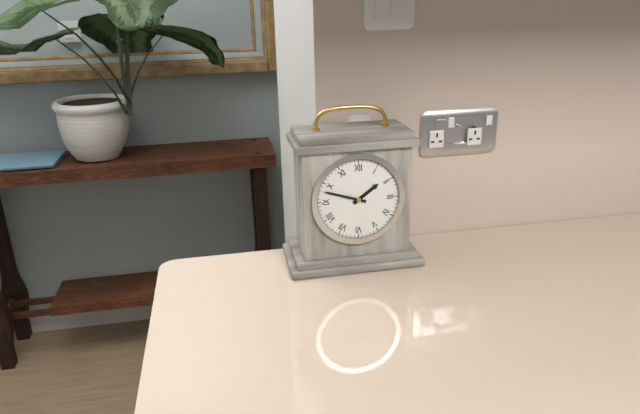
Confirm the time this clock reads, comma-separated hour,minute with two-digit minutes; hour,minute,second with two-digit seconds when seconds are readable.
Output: 1,48
